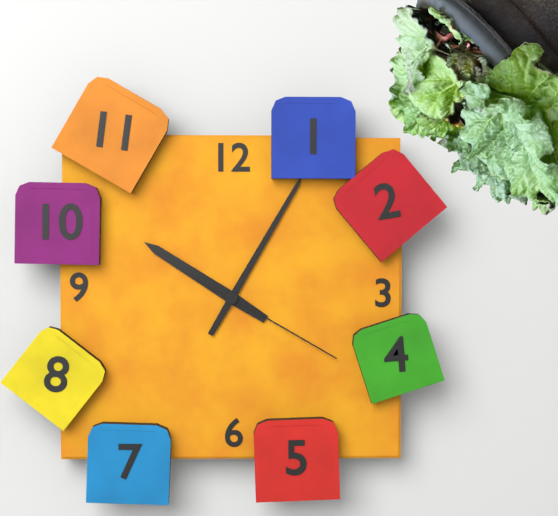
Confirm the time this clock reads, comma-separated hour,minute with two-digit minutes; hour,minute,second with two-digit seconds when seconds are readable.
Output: 10,05,20
